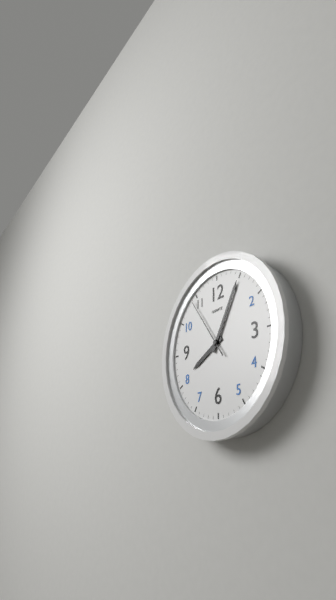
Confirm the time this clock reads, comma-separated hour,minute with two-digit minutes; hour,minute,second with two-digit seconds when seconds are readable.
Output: 8,05,54
